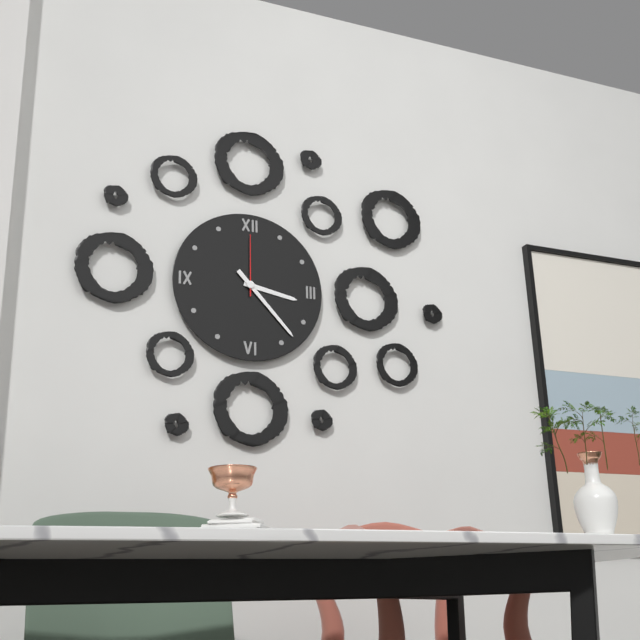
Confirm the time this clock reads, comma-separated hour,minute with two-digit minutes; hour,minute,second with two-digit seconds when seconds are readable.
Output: 3,23,00
